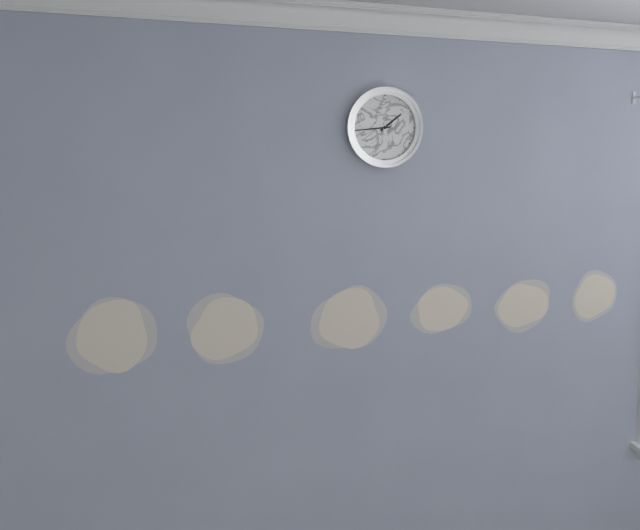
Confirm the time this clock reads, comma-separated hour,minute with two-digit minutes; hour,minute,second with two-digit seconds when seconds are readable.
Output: 1,44
